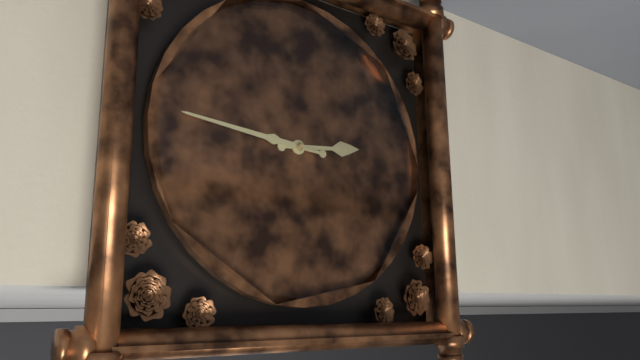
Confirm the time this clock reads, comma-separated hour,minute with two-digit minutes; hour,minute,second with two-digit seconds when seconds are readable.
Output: 2,46
